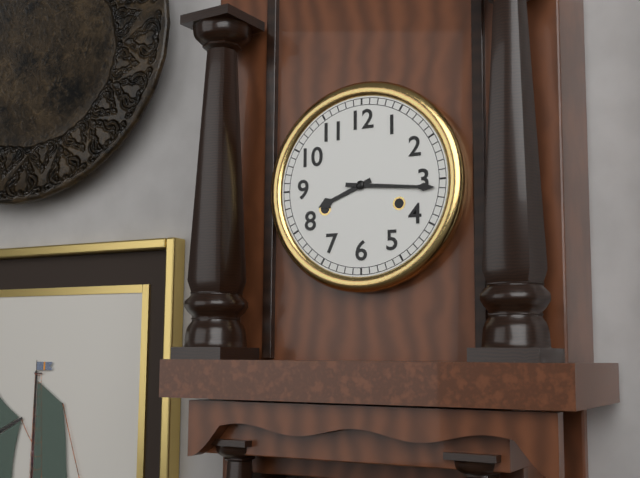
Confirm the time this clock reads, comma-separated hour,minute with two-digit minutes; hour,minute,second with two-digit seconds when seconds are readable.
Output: 8,16
